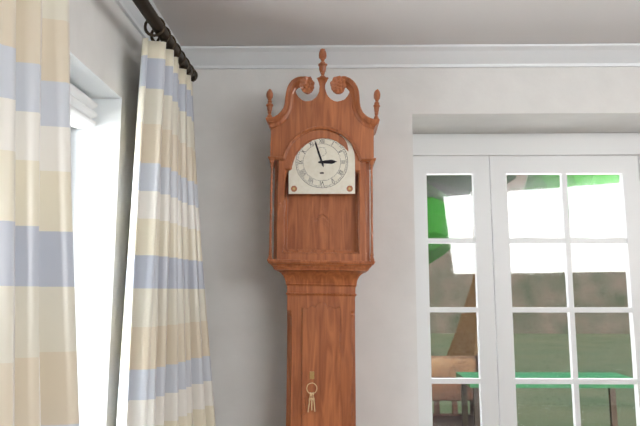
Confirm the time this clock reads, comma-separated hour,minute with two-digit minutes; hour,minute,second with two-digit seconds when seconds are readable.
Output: 2,57
